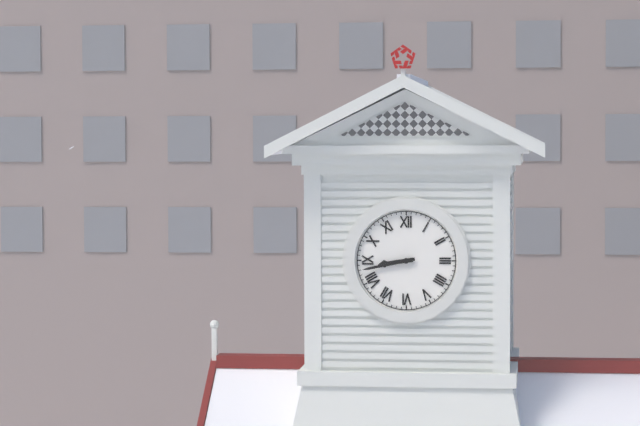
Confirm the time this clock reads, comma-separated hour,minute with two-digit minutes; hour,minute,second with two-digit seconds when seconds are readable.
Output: 8,43
